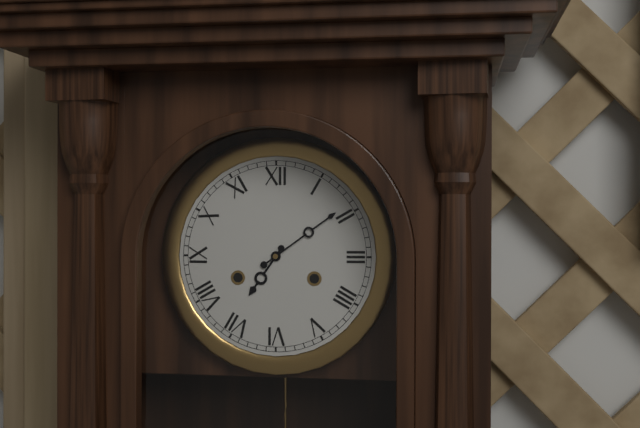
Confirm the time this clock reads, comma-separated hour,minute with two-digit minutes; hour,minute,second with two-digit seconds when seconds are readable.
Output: 7,09
